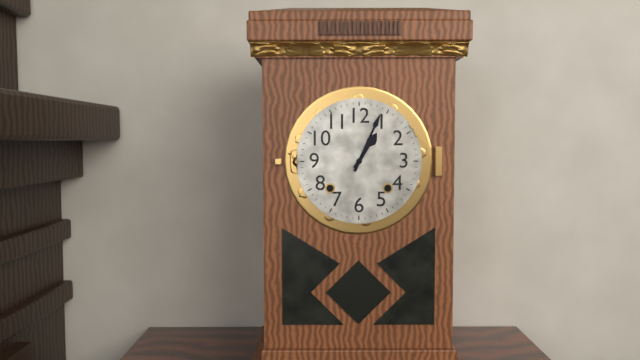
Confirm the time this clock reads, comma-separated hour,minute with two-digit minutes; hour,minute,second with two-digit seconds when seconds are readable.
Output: 1,04
